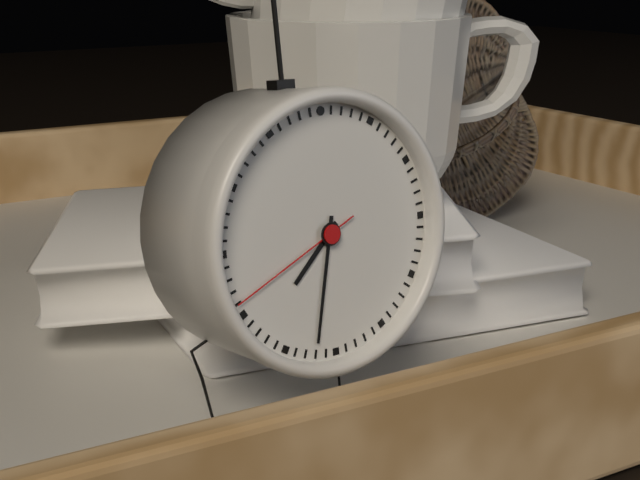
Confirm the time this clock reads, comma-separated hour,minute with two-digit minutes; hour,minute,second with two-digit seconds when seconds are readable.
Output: 7,32,41
